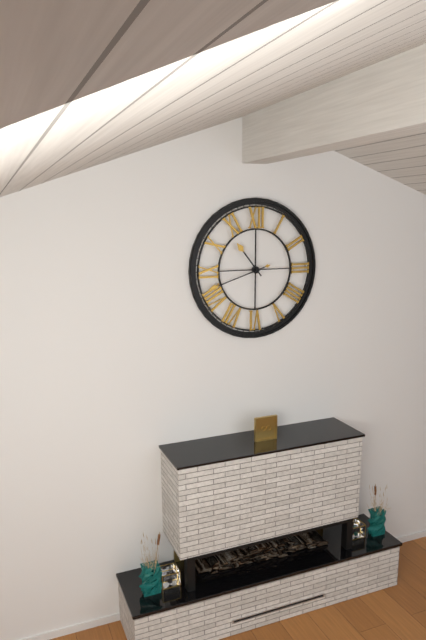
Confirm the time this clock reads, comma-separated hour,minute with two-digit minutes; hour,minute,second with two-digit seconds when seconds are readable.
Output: 10,42
